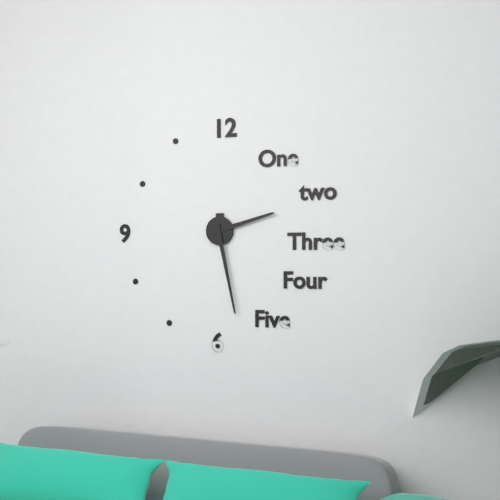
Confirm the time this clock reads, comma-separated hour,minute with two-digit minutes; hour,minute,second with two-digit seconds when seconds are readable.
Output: 2,28
